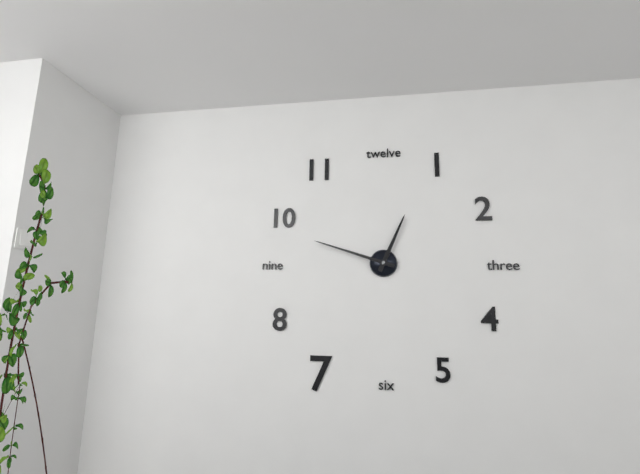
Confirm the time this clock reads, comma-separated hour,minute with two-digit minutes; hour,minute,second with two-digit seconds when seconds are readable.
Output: 12,48
